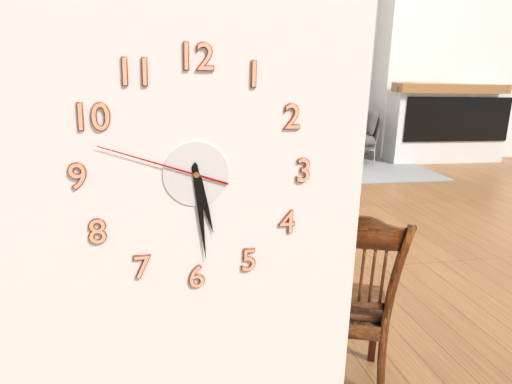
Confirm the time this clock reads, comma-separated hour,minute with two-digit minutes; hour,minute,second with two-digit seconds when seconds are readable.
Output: 5,29,48
